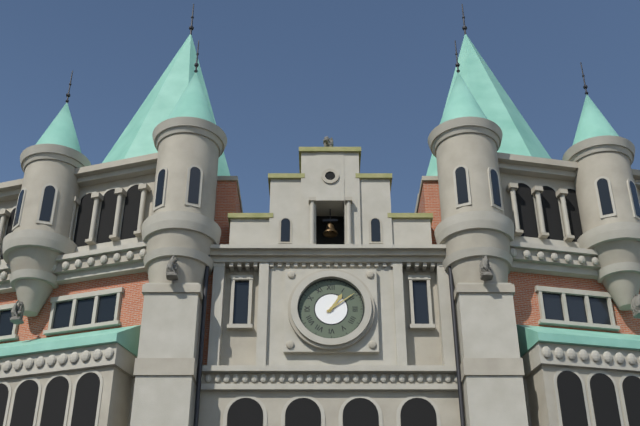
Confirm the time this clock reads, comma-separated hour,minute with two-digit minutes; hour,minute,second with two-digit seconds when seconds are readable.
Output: 1,09
